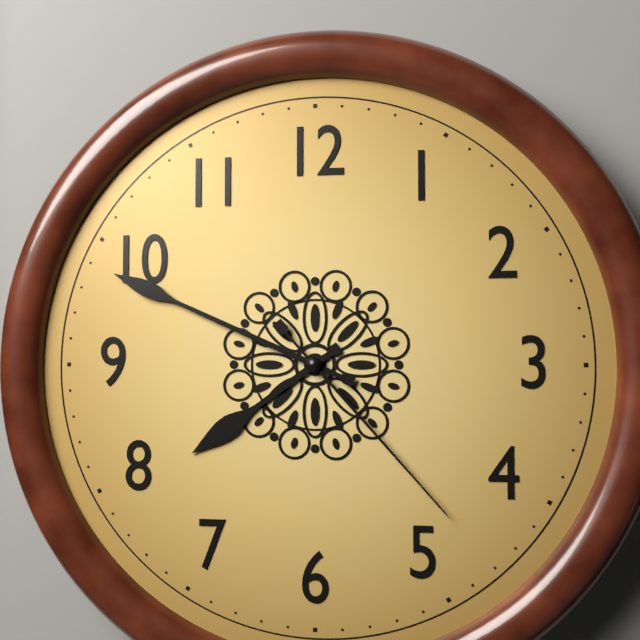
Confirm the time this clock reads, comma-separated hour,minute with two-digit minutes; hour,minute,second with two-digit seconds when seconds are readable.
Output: 7,49,23
